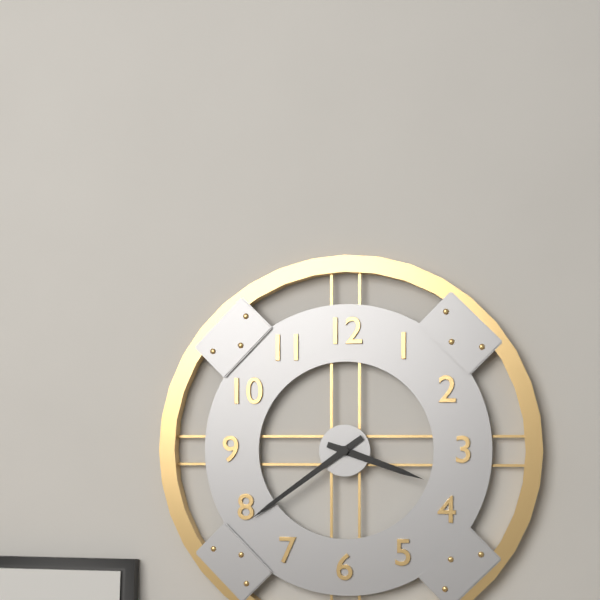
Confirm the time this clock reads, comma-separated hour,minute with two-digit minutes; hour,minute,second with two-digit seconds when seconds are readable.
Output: 3,39
